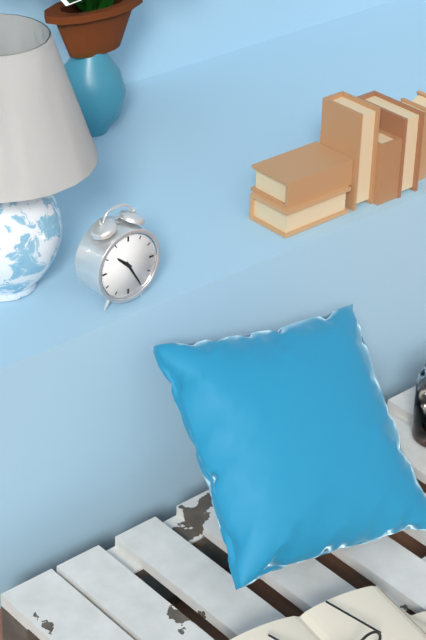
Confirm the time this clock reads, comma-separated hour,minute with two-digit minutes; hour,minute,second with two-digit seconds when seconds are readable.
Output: 10,25
